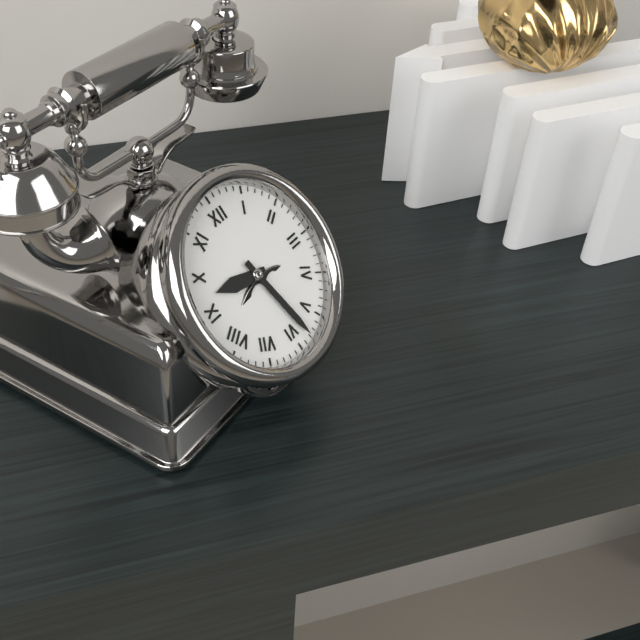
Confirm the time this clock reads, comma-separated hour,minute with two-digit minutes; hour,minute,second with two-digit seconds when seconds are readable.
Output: 9,28
